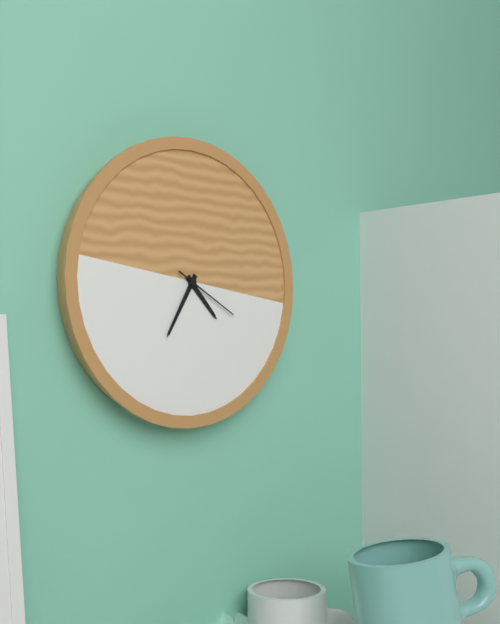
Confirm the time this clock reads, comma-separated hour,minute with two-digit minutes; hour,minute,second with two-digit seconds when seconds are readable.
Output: 4,35,20
